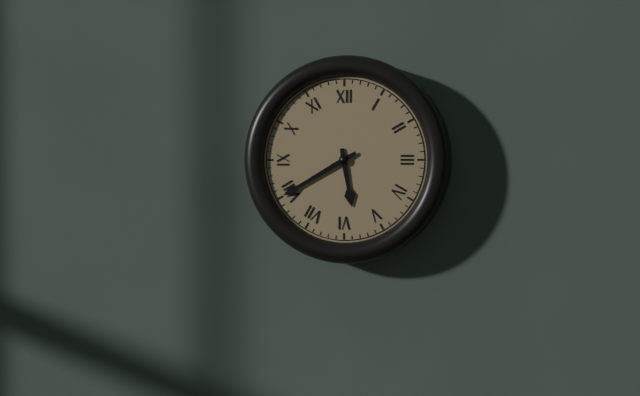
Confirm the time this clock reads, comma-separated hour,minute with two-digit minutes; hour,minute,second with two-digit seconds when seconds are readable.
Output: 5,40
